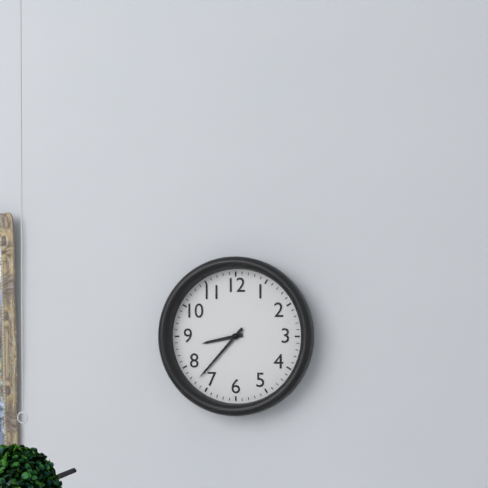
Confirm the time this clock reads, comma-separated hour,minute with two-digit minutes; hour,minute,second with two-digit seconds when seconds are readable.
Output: 8,37
